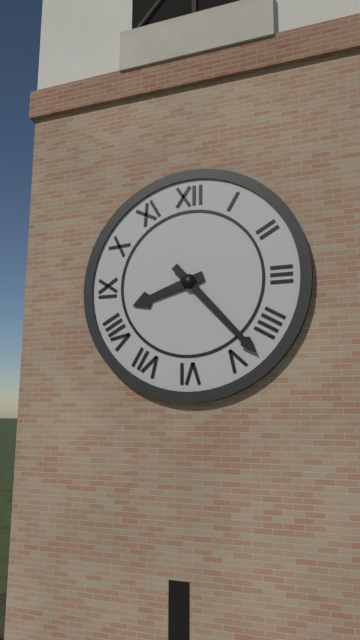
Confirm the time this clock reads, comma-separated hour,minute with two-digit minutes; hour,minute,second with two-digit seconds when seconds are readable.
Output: 8,23
